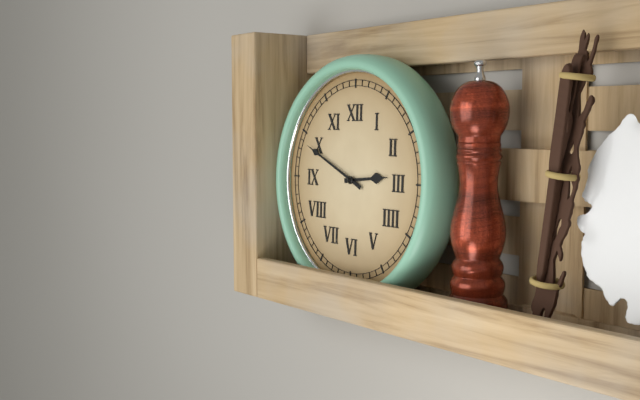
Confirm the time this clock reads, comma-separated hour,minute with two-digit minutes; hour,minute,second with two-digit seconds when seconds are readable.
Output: 2,49
